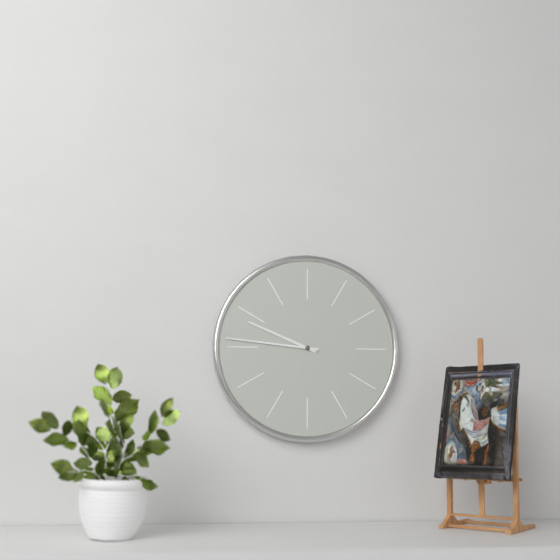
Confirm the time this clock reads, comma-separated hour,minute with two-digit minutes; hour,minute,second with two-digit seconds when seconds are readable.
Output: 9,46
